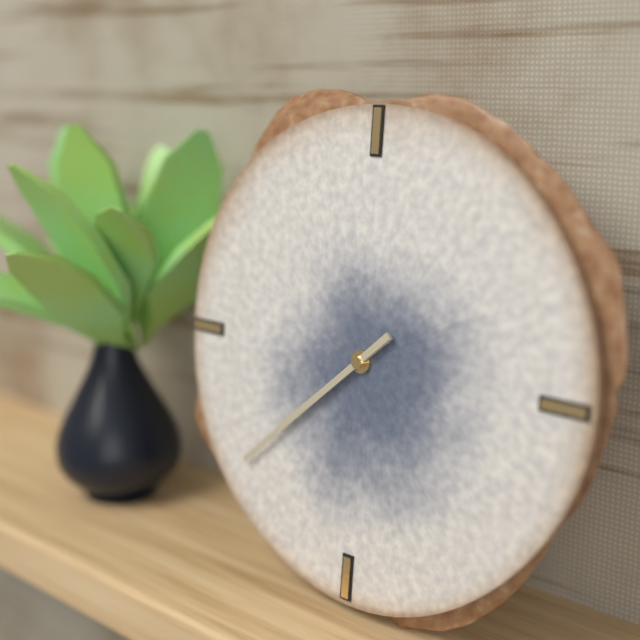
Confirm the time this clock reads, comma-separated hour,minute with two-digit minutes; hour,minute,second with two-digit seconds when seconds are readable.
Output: 7,38
